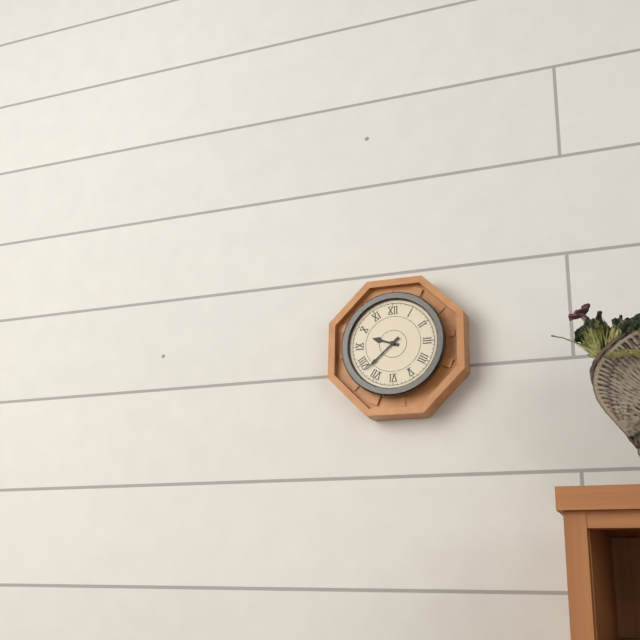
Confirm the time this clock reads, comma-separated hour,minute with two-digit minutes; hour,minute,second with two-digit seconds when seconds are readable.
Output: 9,38
